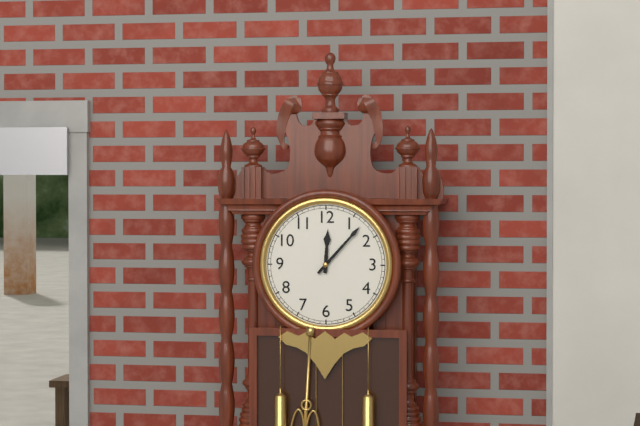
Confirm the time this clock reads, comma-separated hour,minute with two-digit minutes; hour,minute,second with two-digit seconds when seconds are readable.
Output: 12,07
